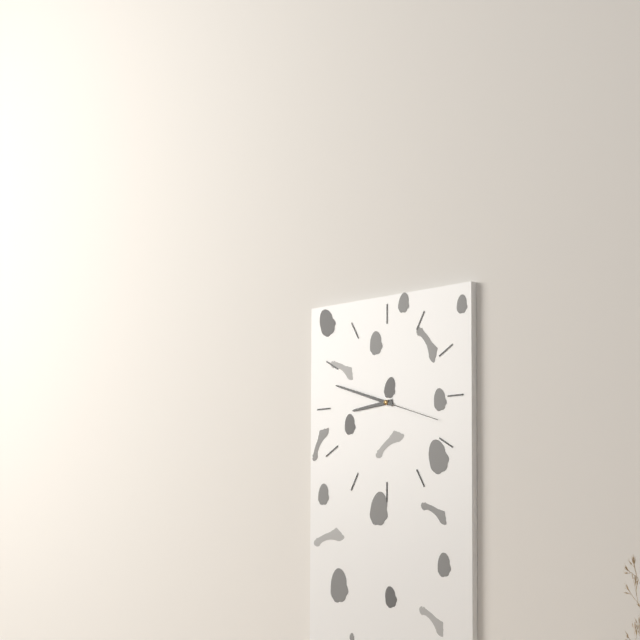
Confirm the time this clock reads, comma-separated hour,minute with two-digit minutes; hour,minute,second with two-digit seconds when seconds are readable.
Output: 8,48,18
